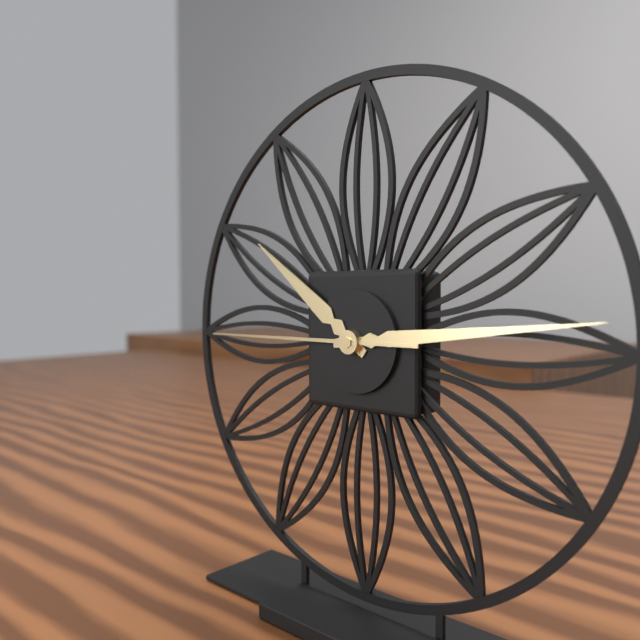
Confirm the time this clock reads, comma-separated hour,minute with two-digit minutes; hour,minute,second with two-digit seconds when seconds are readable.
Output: 10,14,45
